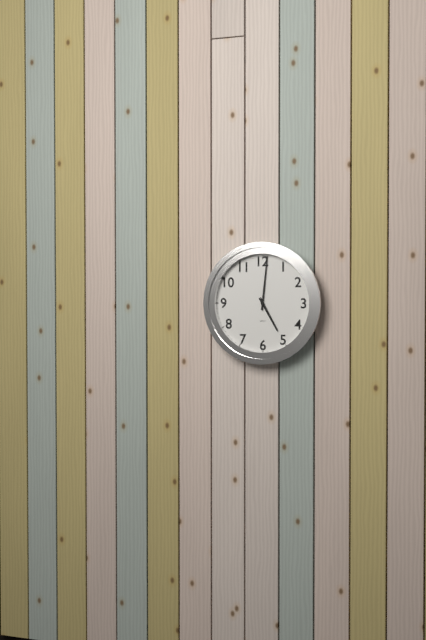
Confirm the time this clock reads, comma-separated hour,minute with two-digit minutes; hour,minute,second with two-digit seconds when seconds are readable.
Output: 5,01
